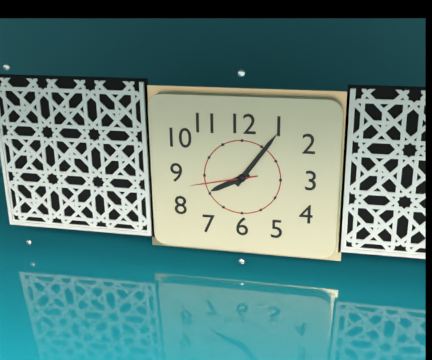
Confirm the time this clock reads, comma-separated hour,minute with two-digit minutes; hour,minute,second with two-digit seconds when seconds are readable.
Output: 8,06,43
